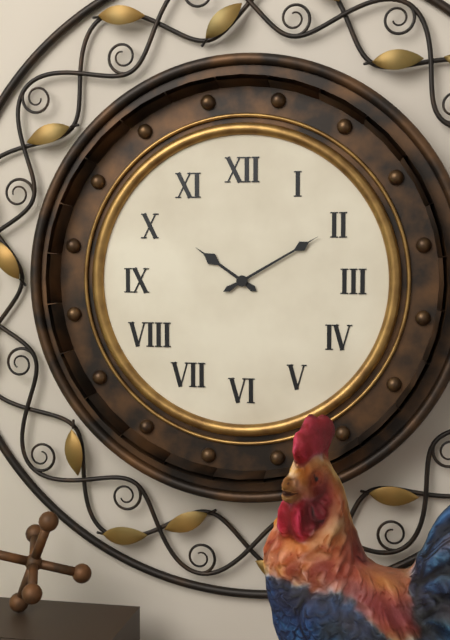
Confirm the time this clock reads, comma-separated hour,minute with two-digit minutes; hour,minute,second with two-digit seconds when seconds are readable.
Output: 10,10
